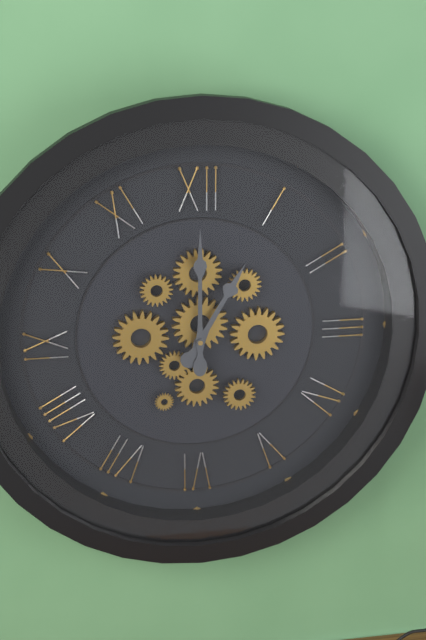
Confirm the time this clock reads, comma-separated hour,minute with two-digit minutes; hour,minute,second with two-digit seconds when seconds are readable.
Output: 1,00
